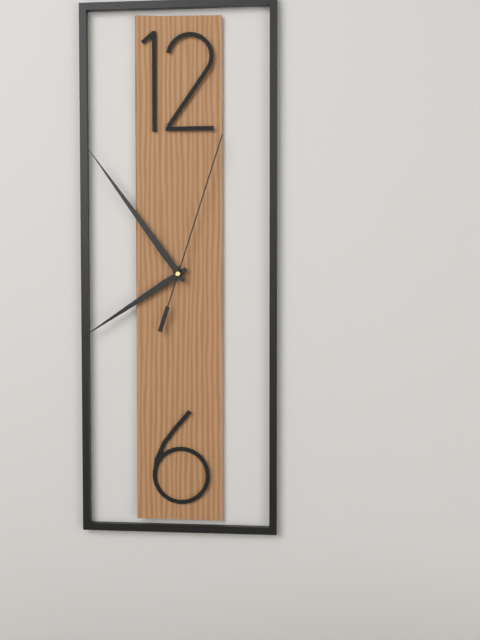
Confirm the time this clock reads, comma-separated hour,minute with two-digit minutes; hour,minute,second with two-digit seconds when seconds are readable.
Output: 7,54,03
